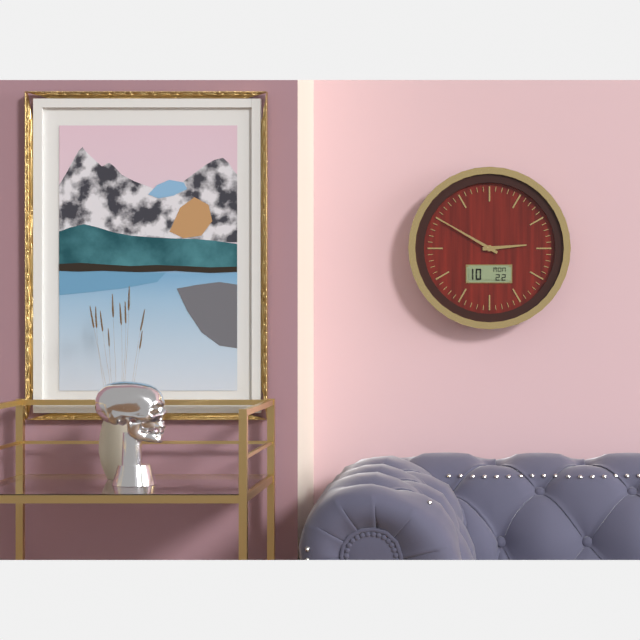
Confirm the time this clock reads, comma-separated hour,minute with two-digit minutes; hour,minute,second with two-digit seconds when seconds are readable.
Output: 2,50
